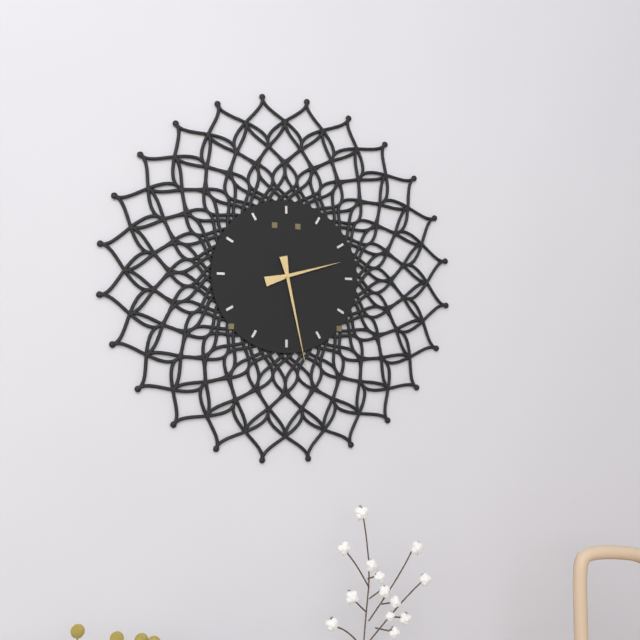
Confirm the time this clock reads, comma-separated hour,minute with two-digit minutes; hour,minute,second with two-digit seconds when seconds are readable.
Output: 2,28
